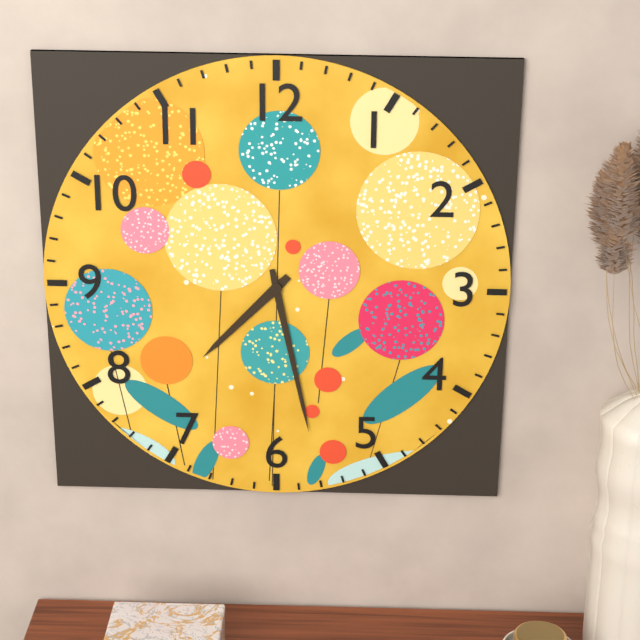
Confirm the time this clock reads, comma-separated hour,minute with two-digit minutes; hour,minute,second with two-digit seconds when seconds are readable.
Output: 7,28
